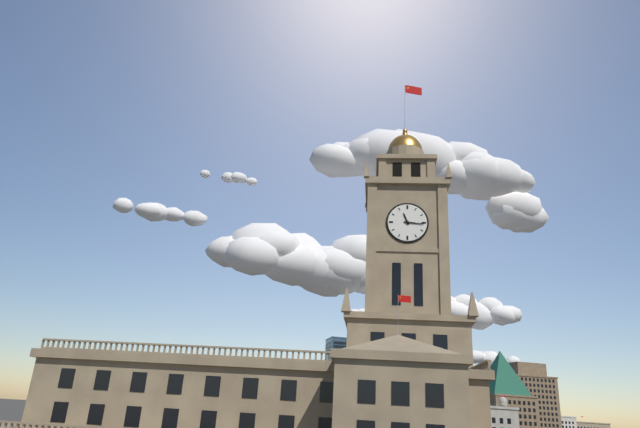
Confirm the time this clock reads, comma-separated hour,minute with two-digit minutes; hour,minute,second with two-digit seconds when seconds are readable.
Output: 11,16
